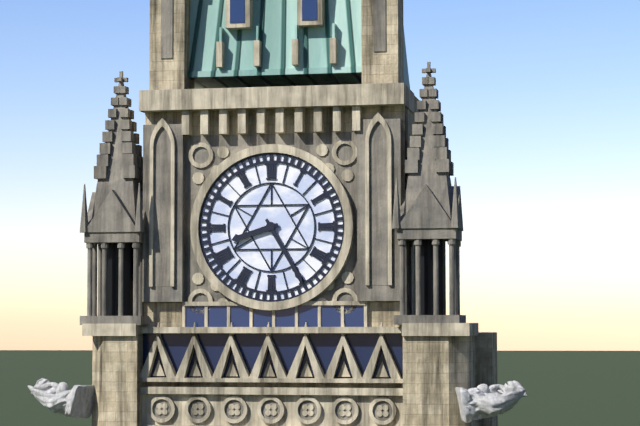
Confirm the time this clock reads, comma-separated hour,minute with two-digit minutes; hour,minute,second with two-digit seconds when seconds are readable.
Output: 8,25
